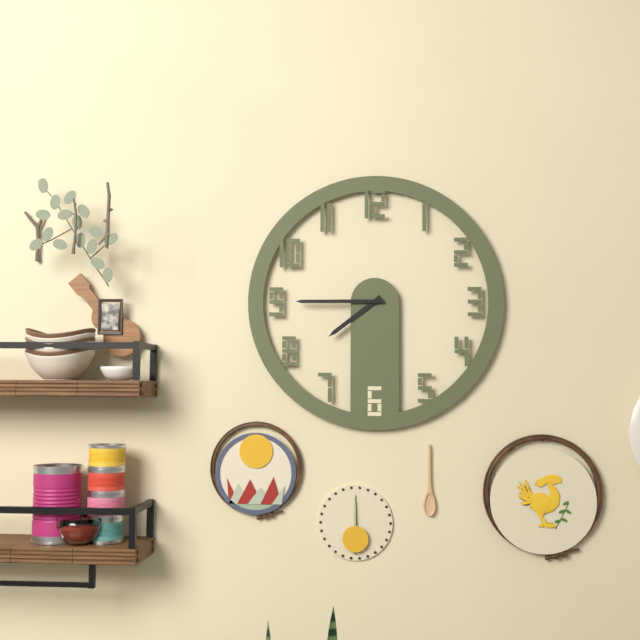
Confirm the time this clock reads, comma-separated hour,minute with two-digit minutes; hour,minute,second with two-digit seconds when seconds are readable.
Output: 7,45
